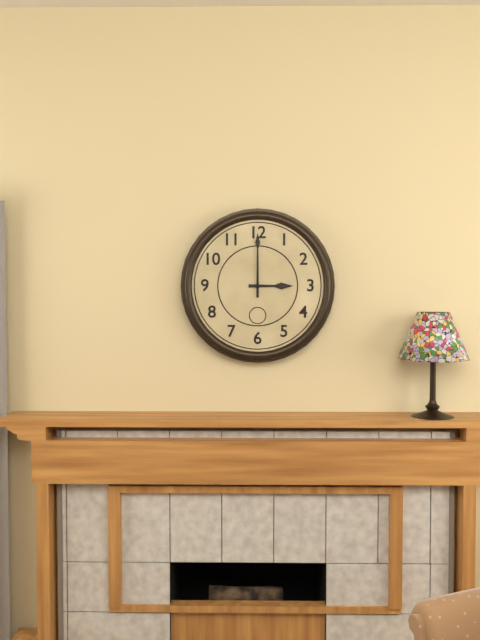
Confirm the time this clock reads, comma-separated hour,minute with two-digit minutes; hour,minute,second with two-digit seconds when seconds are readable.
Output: 3,00
